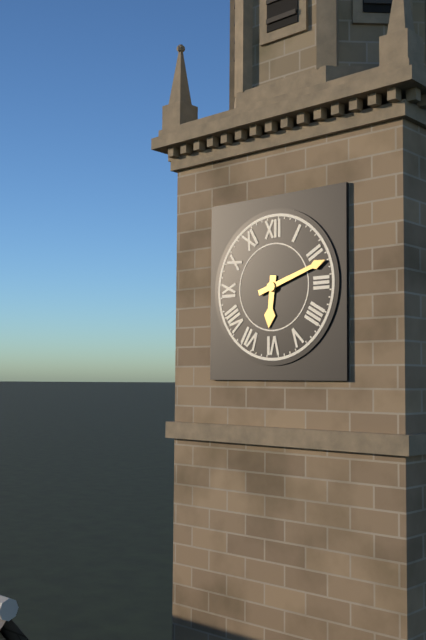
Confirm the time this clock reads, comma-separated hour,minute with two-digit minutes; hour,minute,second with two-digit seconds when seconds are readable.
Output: 6,12
